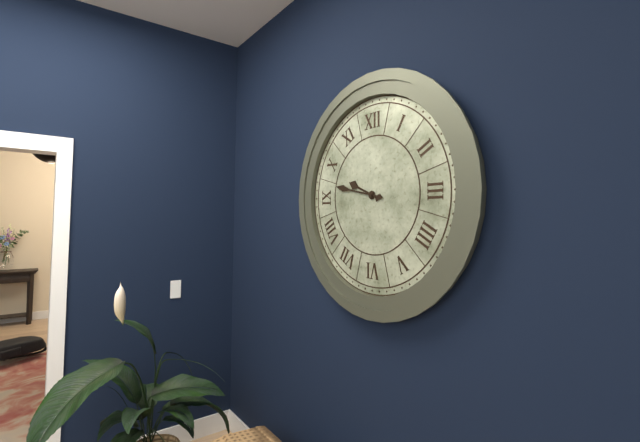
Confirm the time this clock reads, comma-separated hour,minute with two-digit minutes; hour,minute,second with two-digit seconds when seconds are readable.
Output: 9,47
